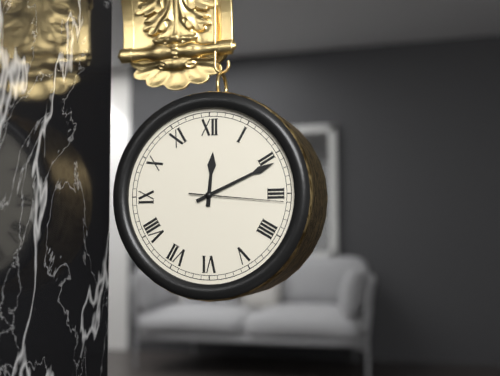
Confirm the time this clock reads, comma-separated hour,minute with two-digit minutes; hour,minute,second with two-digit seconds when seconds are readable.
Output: 12,11,16
